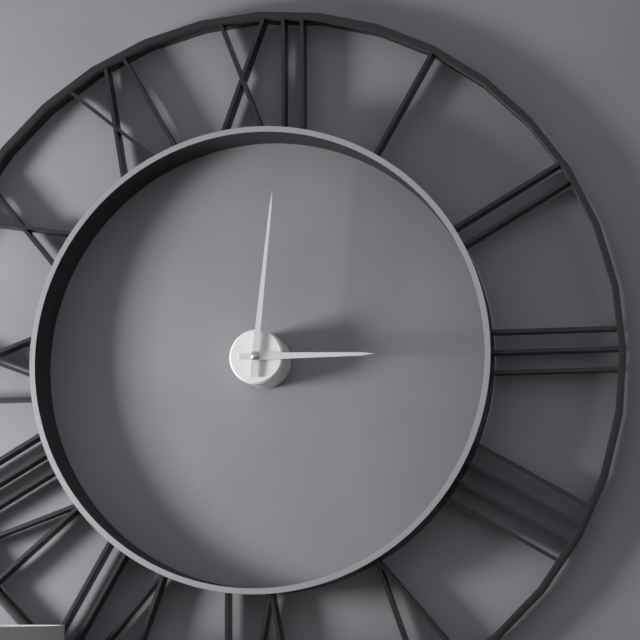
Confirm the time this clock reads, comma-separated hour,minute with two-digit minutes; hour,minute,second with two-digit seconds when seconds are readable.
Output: 3,01
